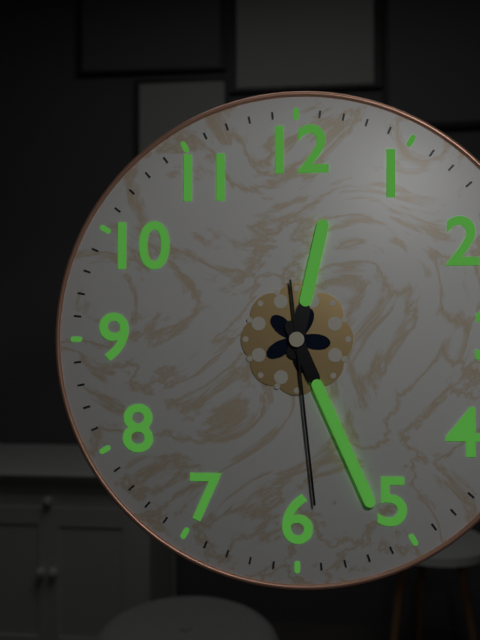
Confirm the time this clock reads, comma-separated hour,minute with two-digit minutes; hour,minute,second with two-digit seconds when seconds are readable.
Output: 12,26,29
